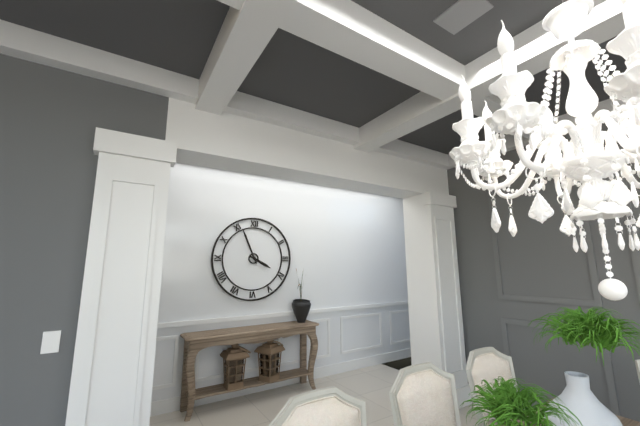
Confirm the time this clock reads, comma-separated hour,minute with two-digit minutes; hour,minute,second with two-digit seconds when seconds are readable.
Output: 3,56
